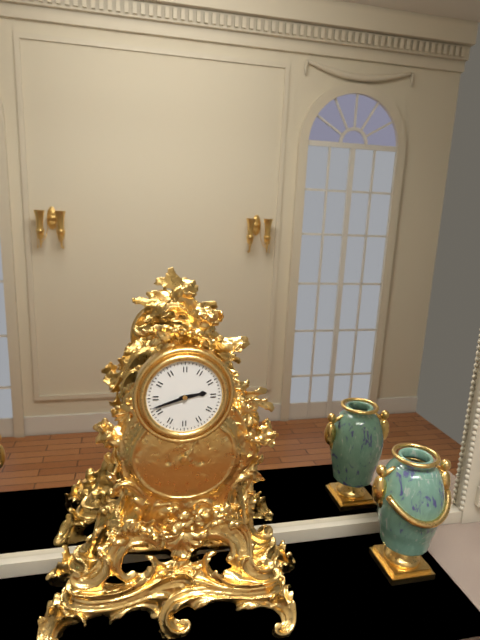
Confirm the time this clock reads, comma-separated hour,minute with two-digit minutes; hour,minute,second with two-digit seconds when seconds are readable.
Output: 2,42
